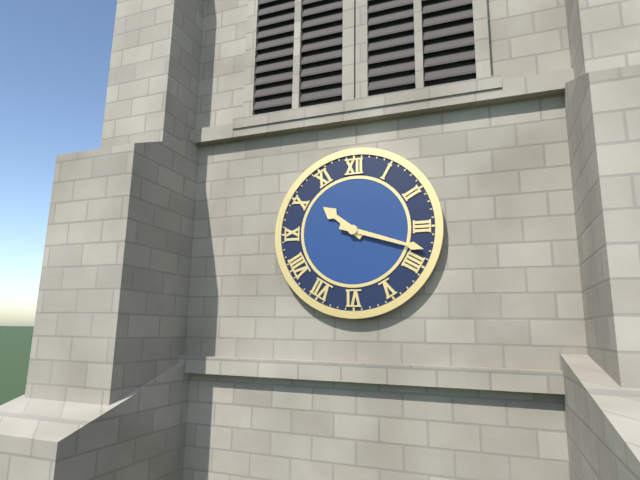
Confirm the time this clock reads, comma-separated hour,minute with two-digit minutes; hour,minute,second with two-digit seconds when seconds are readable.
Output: 10,18
